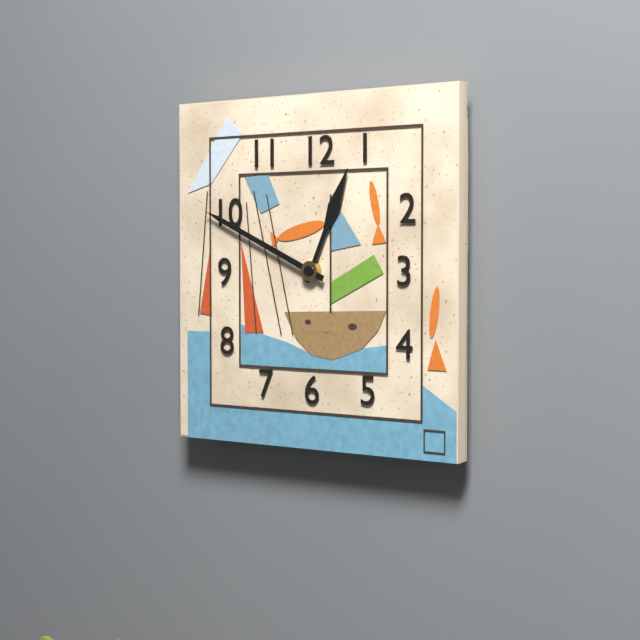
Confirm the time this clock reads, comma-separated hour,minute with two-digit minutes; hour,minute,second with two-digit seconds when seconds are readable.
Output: 12,49
